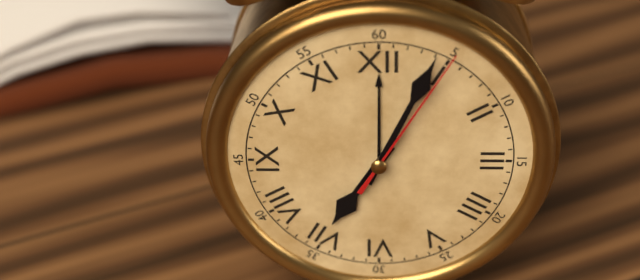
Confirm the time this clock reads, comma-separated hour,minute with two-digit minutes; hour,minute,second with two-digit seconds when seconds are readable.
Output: 7,04,05
